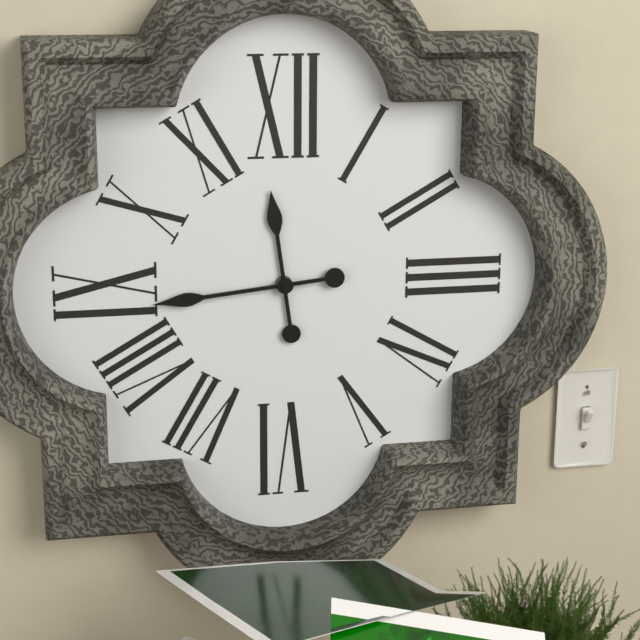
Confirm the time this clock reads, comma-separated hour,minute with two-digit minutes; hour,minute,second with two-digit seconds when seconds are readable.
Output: 11,44
